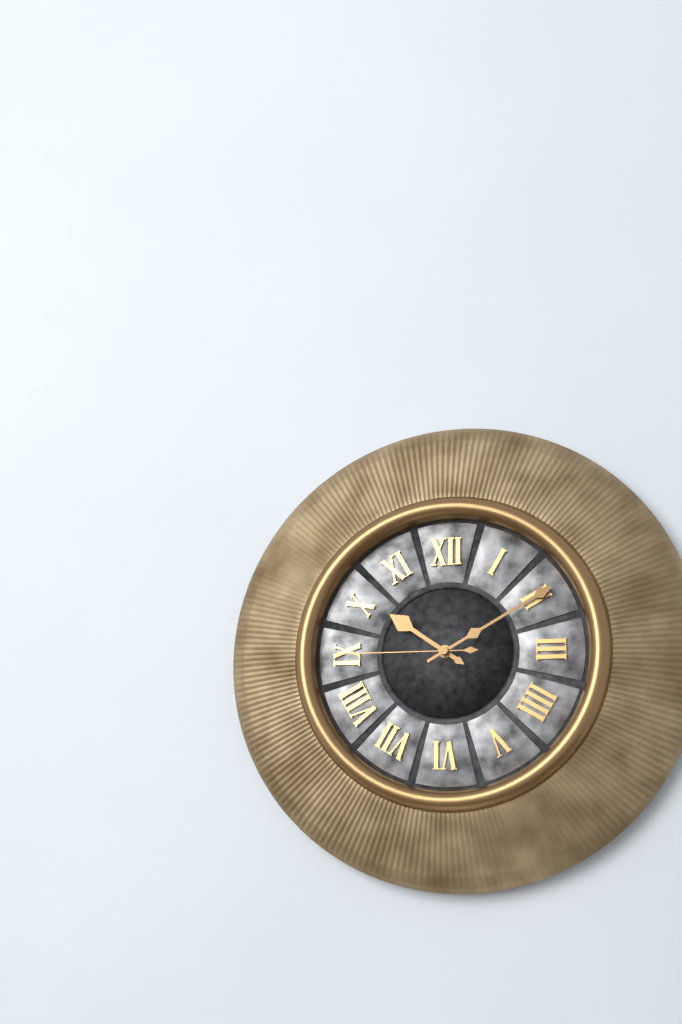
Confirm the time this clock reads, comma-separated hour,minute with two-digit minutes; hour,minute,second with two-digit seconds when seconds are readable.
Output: 10,10,45
